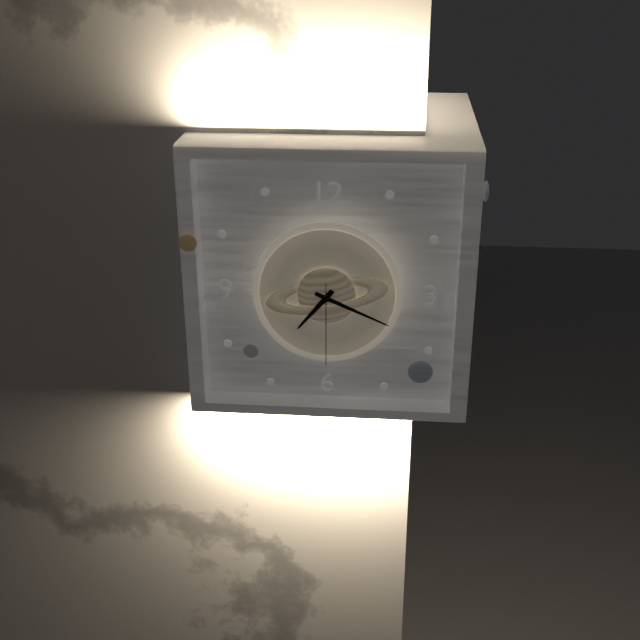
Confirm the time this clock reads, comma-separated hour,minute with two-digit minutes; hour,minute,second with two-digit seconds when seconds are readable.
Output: 7,19,30
